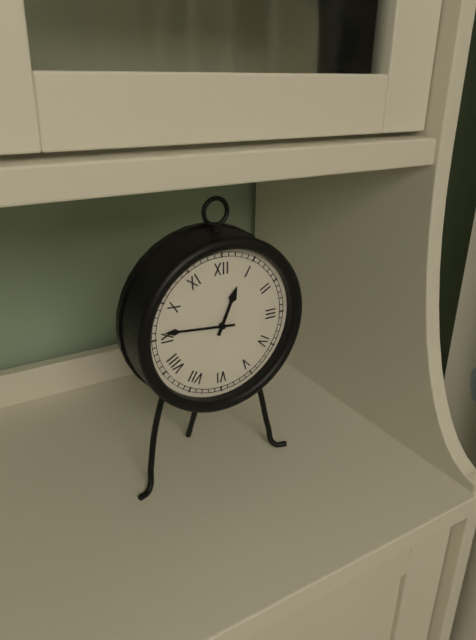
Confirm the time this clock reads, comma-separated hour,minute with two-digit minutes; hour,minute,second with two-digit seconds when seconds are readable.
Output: 12,46
